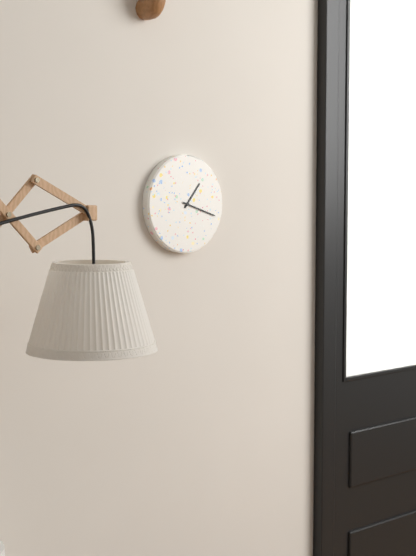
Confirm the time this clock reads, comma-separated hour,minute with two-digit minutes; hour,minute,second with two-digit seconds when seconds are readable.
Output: 1,18
